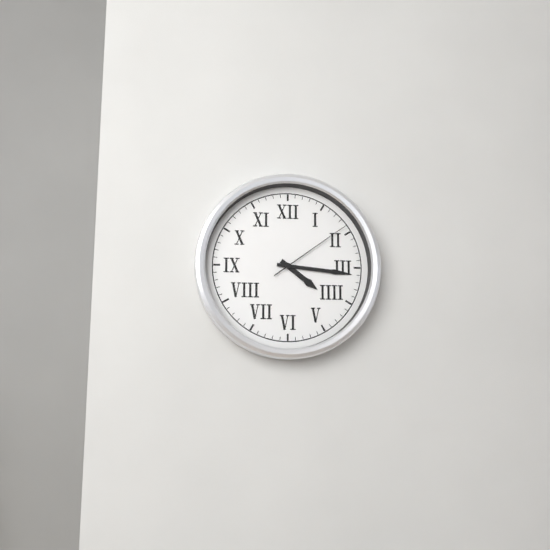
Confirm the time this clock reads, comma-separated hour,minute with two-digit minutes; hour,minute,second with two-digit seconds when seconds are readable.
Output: 4,16,09
